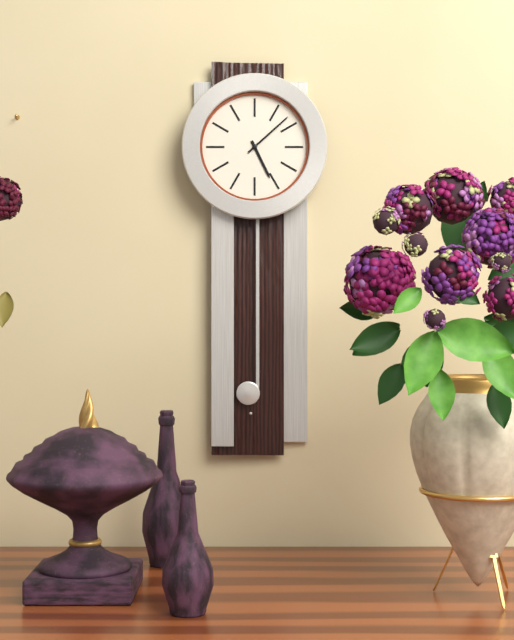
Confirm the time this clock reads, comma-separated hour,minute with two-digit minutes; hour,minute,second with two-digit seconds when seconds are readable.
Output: 5,08
